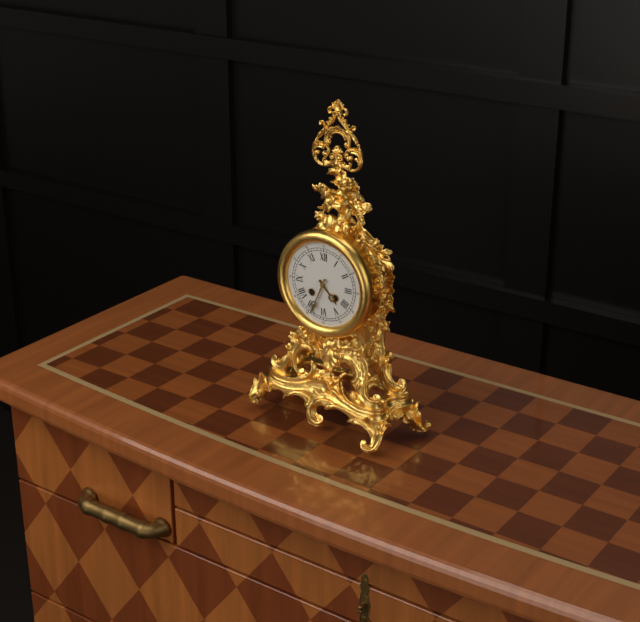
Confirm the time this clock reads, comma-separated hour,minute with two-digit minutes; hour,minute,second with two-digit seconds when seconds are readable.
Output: 4,34
